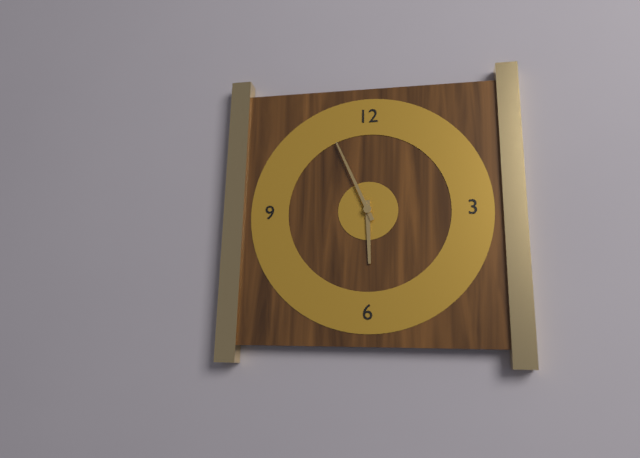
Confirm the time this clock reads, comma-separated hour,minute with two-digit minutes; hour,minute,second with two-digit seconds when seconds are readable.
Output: 5,56
